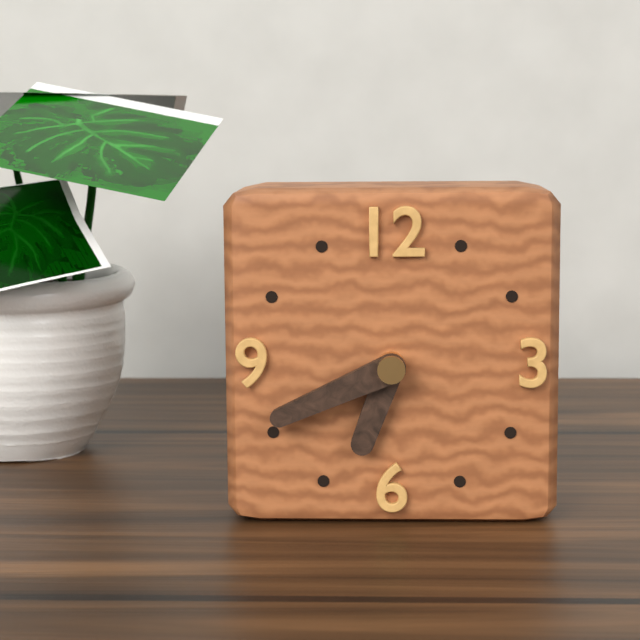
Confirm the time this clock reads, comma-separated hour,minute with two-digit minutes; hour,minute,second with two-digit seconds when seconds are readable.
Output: 6,41
